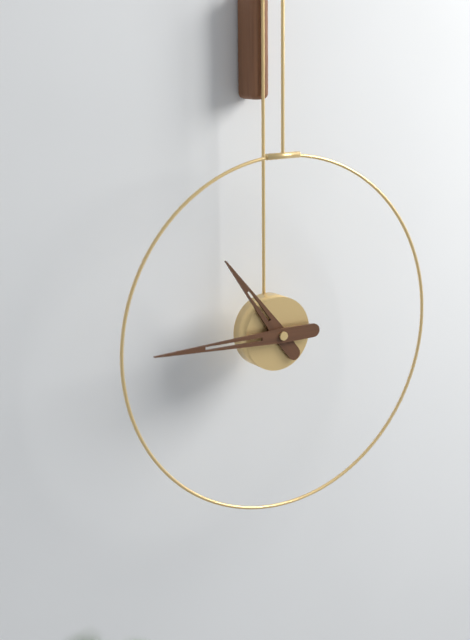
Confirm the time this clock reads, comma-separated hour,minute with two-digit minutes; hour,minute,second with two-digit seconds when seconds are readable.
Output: 10,45
